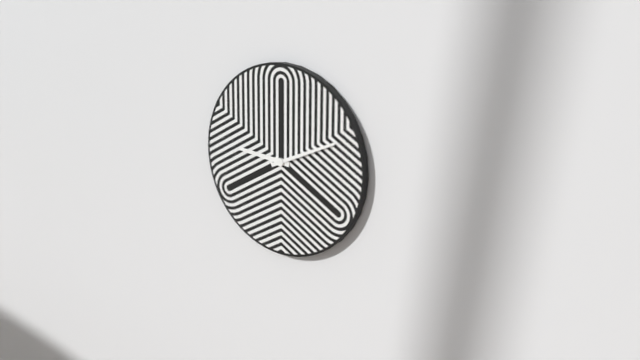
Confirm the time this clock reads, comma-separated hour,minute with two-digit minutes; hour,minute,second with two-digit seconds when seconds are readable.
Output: 9,11
